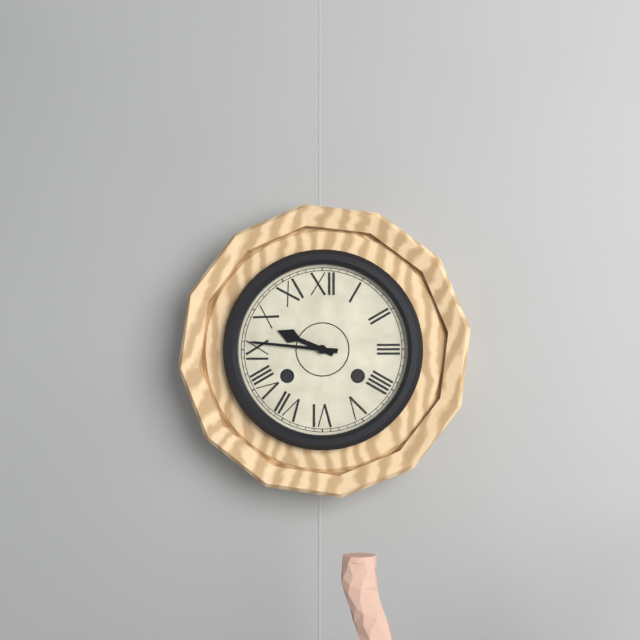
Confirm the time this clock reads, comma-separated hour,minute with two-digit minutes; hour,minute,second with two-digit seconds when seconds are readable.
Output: 9,46
